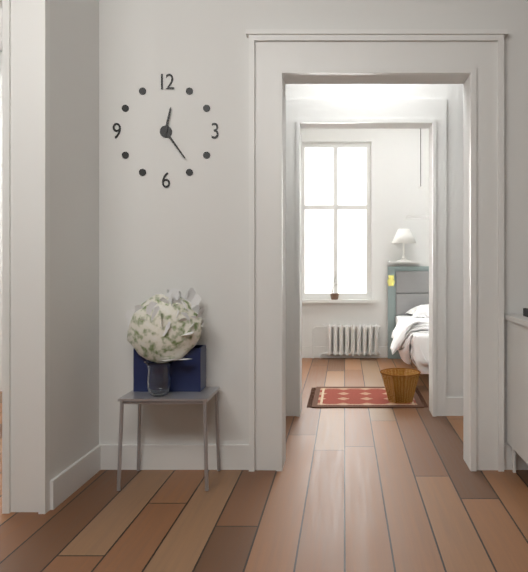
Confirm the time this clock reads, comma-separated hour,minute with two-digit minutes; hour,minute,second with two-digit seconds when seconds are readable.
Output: 12,24
